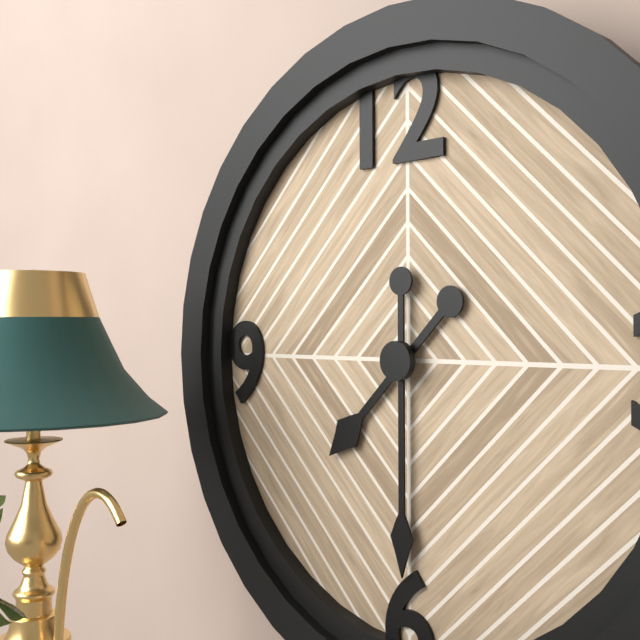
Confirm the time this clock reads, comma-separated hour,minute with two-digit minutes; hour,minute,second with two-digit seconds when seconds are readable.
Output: 7,30
